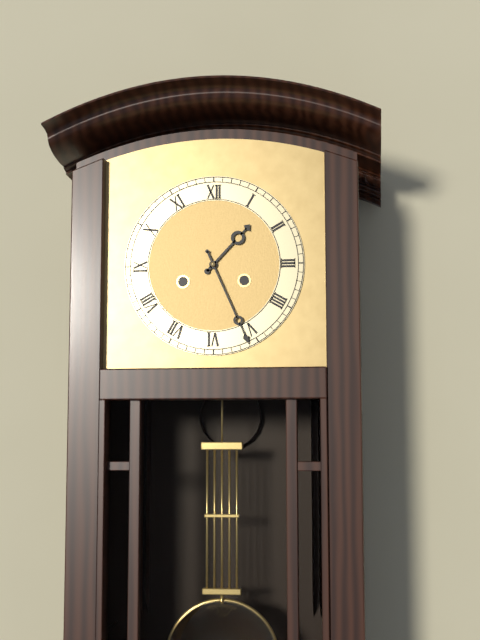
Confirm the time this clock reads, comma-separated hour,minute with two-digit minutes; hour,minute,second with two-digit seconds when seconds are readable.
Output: 1,26
